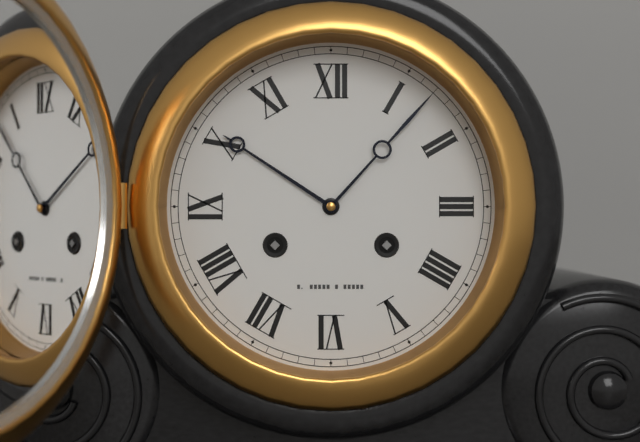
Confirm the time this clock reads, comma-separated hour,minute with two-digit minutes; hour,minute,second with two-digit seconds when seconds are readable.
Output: 10,07
